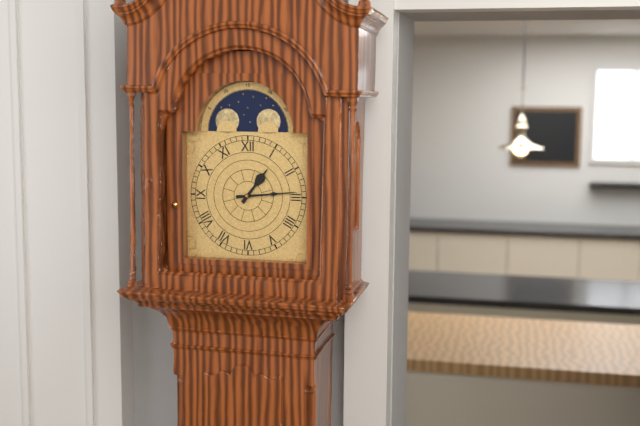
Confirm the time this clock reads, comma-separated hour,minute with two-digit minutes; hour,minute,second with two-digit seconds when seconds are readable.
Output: 1,14
